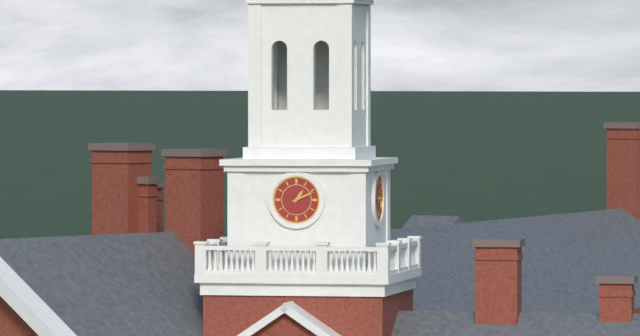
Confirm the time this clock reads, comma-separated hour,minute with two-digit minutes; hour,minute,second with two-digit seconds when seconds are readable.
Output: 1,11
